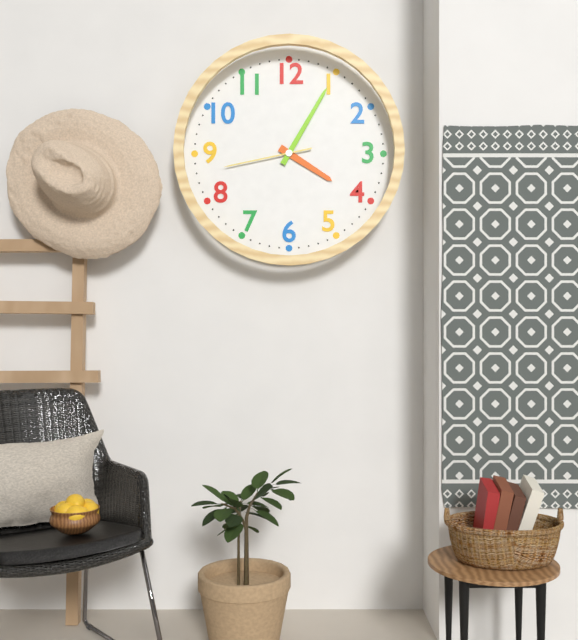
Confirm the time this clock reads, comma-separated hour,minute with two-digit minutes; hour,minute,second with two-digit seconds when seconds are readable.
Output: 4,05,43
